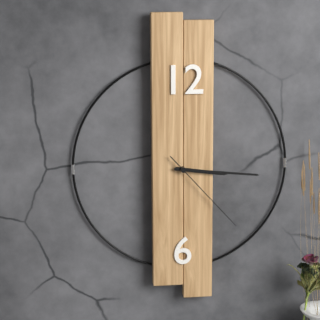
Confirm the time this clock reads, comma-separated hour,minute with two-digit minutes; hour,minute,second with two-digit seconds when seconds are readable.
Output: 3,16,23
